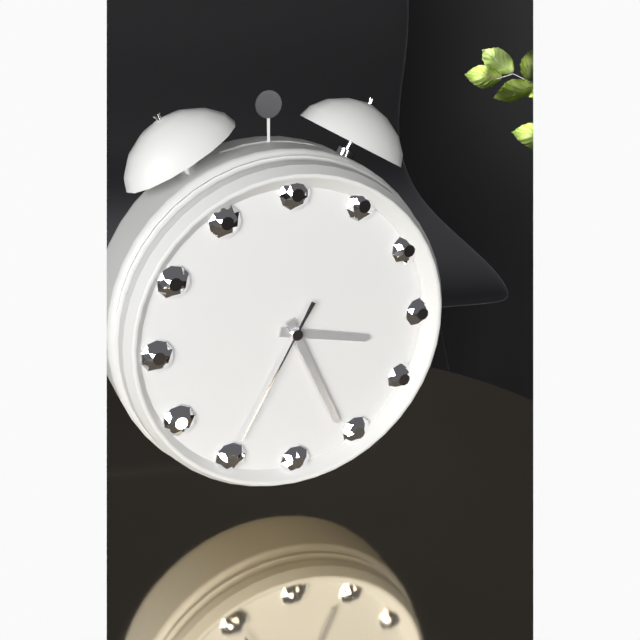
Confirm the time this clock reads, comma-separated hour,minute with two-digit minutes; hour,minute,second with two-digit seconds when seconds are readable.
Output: 3,26,35
